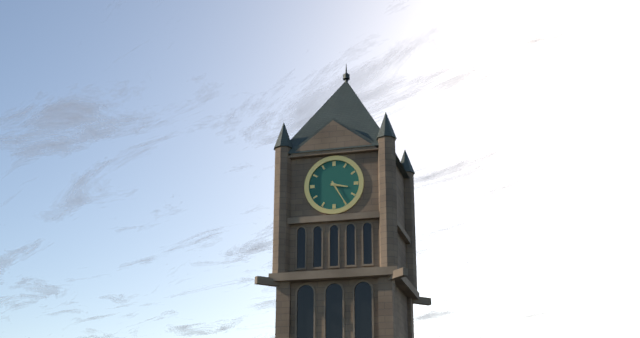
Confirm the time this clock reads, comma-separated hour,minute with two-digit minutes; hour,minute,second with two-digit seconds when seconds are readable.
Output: 3,25
